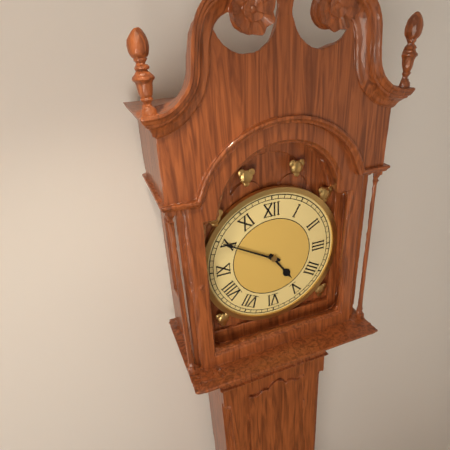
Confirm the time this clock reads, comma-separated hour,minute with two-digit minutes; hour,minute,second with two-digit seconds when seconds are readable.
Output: 4,50
